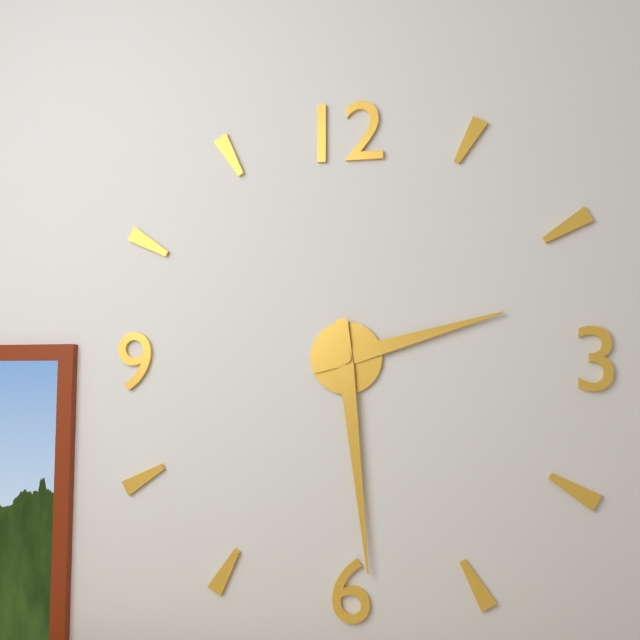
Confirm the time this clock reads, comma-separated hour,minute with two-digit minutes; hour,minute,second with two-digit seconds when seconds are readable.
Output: 2,29
